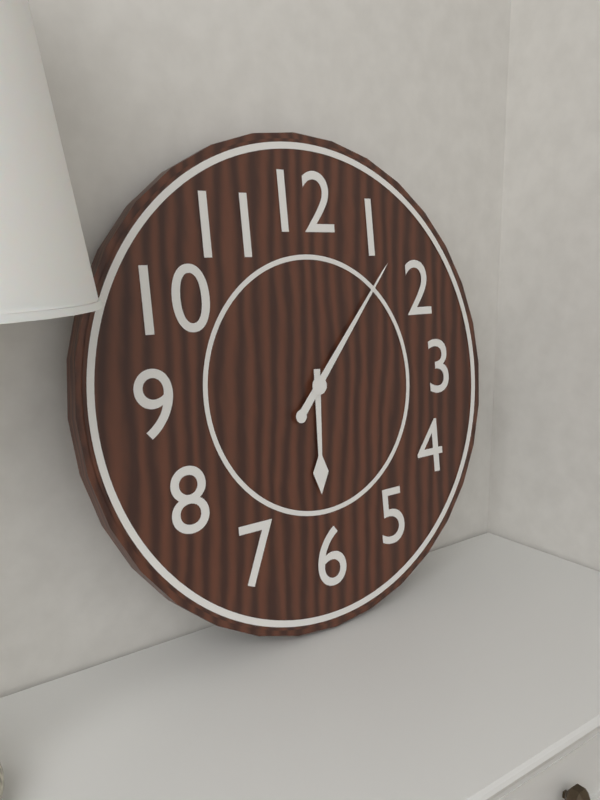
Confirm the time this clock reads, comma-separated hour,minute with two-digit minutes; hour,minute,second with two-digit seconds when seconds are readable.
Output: 6,07
